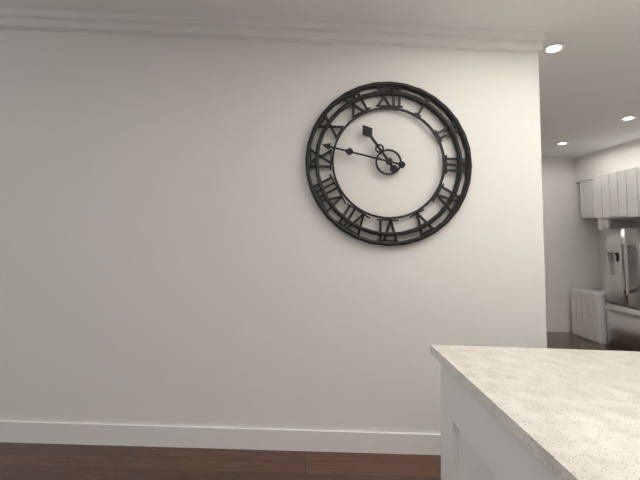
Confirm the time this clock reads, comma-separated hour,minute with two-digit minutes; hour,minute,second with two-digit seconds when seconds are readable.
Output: 10,47
